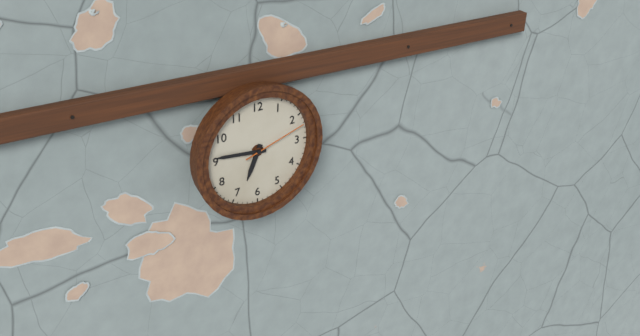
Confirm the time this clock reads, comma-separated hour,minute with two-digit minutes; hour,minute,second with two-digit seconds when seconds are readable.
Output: 6,46,12
